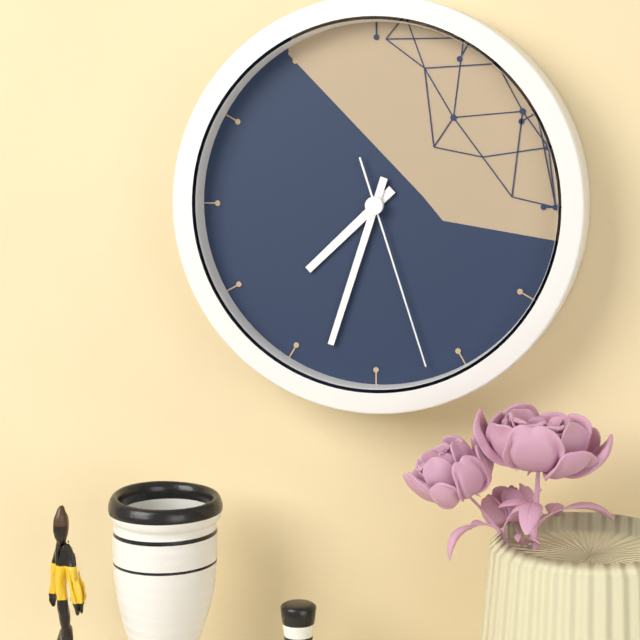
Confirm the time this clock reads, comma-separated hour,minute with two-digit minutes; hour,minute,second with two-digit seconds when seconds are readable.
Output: 7,33,27
